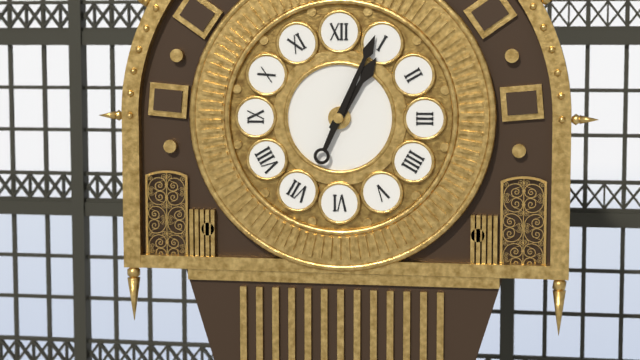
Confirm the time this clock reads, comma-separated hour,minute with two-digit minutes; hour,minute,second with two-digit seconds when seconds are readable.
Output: 1,04
